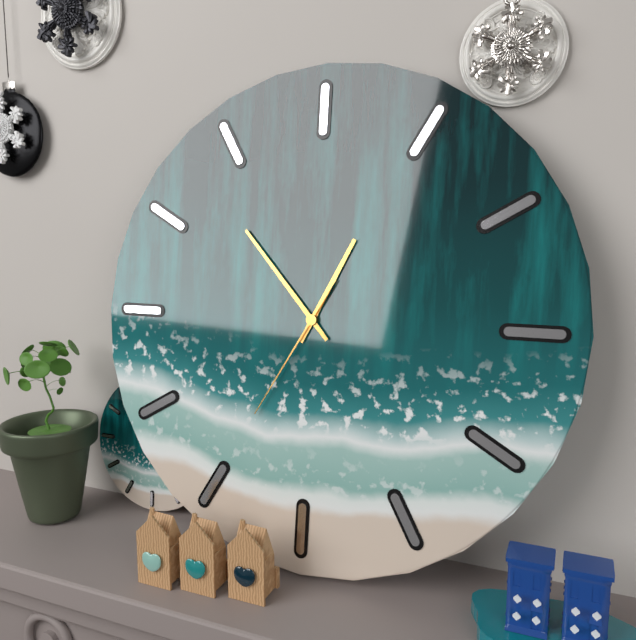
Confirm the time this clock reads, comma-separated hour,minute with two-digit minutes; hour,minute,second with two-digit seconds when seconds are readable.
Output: 12,53,35
